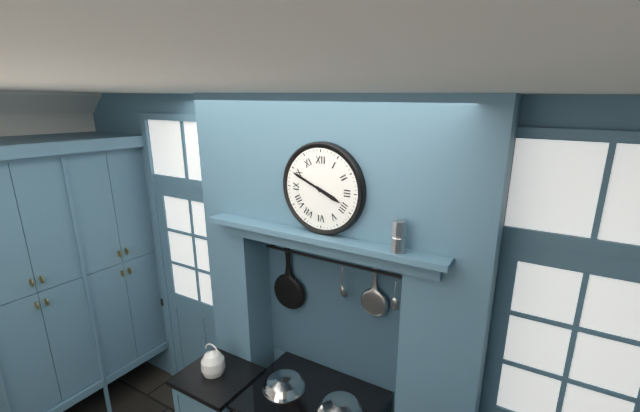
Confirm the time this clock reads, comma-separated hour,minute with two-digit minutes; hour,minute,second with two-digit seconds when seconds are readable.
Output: 3,49
